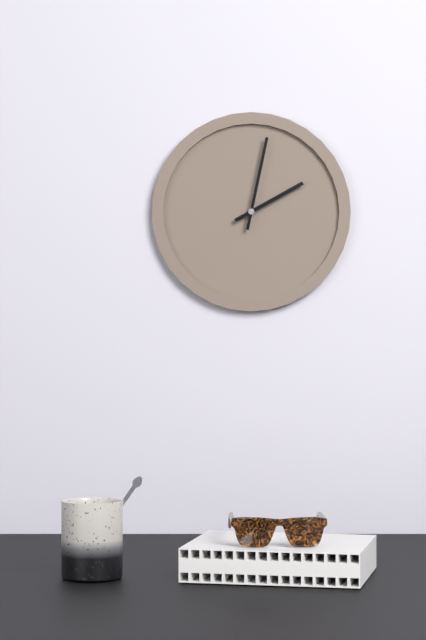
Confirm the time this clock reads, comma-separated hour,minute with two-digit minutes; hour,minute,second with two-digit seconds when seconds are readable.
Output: 2,02
